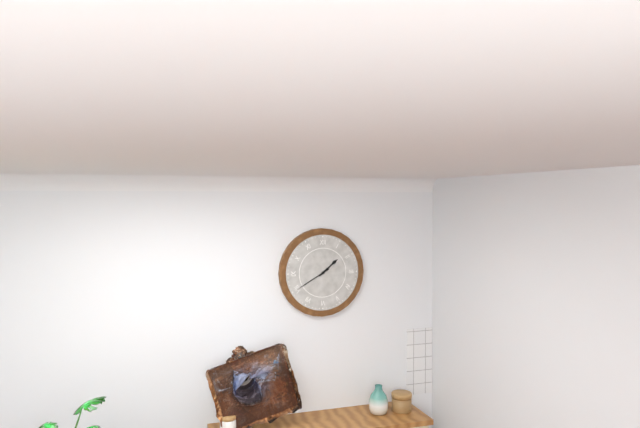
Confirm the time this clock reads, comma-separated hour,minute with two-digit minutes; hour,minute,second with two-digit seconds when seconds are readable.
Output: 1,40
